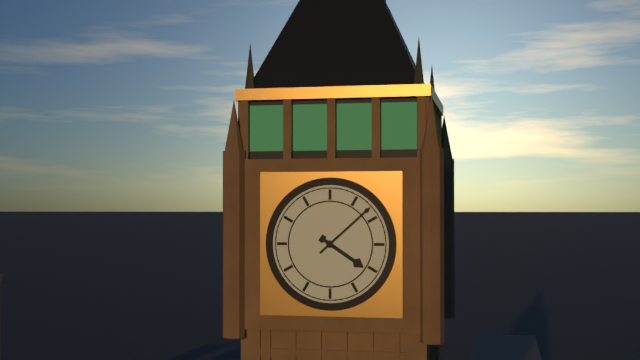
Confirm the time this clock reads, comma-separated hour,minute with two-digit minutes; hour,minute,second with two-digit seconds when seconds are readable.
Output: 4,08
